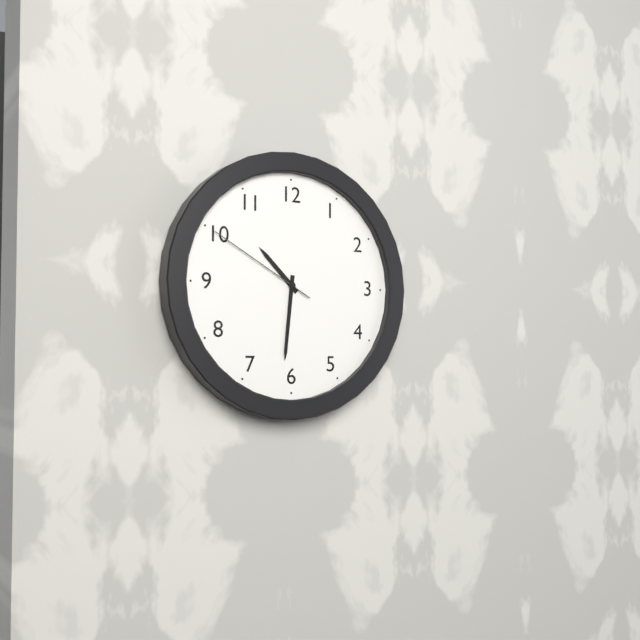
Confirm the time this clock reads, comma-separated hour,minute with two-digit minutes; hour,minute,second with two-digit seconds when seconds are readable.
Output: 10,31,50
